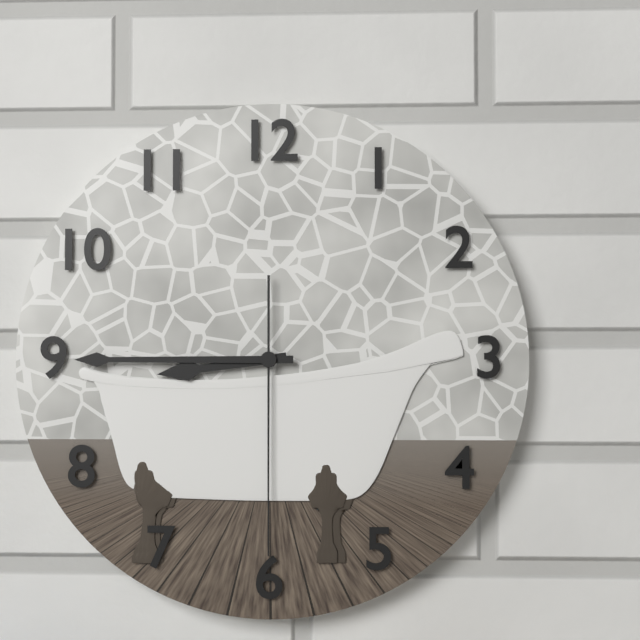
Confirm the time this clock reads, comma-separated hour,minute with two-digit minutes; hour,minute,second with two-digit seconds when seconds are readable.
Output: 8,45,30
